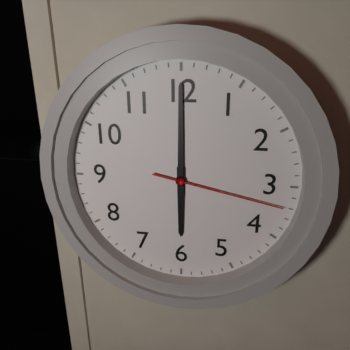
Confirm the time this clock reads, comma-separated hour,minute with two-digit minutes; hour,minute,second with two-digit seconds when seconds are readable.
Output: 6,00,17
